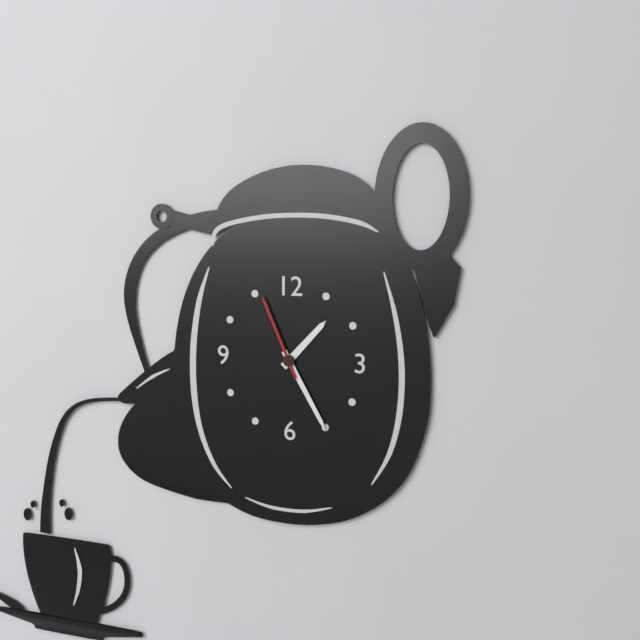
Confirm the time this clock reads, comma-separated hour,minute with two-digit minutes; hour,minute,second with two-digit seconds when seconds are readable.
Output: 1,25,56
